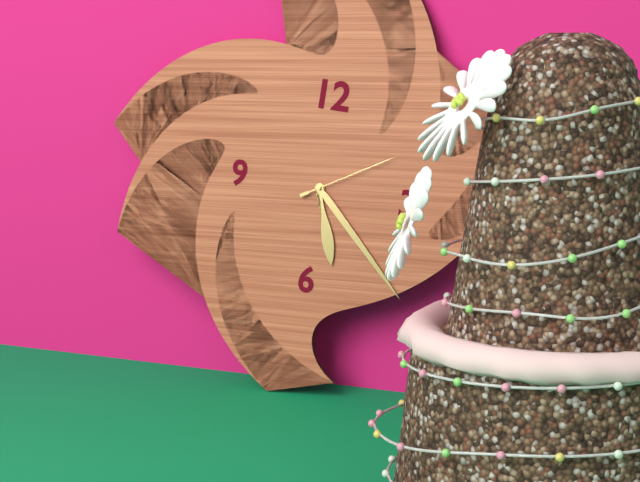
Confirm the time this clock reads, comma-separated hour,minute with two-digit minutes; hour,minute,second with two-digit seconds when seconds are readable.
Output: 5,22,10
